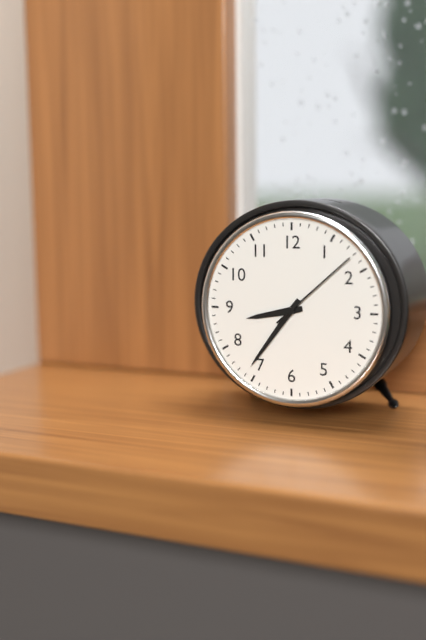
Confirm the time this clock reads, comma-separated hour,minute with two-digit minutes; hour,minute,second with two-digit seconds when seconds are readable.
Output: 8,36,08
